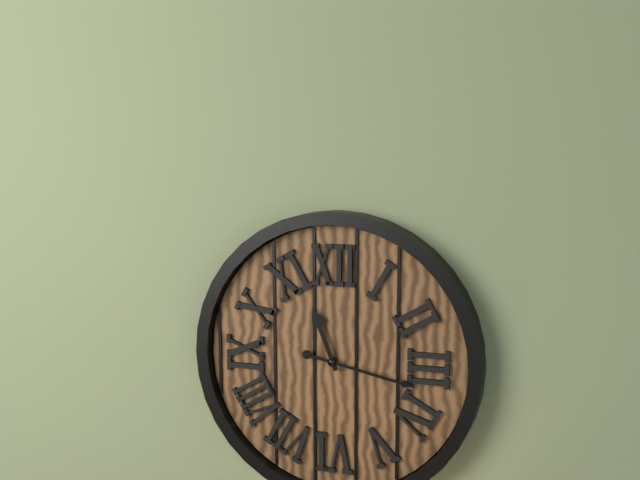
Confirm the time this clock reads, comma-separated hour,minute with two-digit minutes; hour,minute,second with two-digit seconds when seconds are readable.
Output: 11,17
